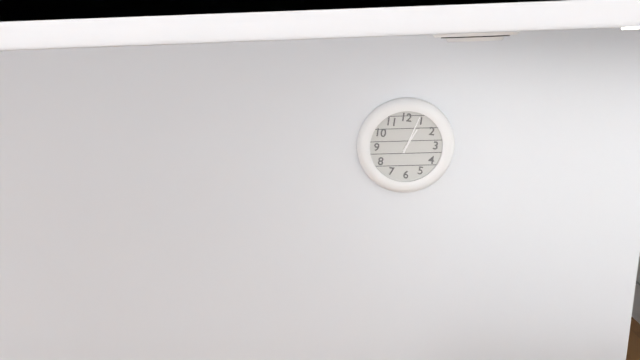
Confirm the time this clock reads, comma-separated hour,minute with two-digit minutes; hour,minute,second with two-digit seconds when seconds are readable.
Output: 1,04
